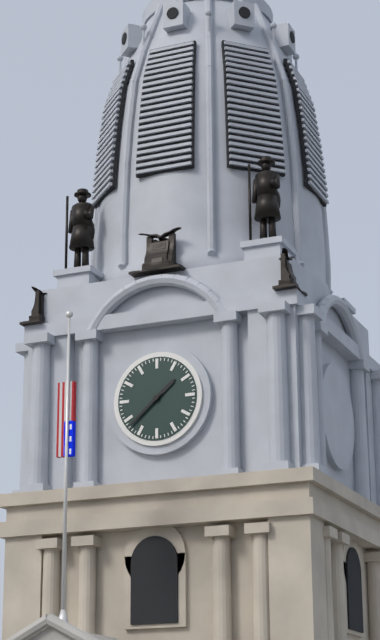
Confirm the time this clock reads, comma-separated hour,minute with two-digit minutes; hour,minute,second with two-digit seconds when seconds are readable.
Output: 1,38
